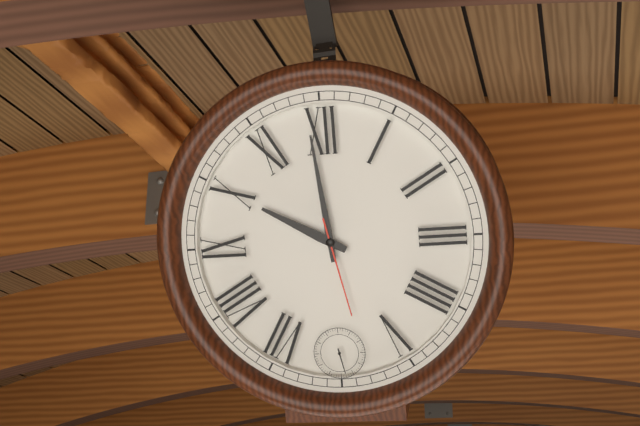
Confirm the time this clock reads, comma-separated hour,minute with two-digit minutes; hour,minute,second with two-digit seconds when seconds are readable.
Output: 9,59,28
